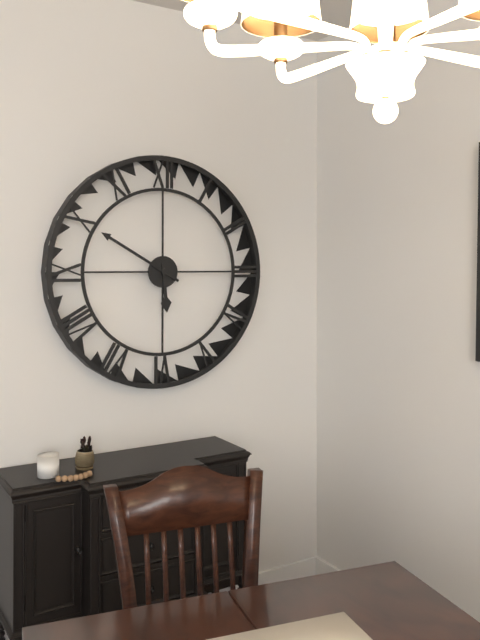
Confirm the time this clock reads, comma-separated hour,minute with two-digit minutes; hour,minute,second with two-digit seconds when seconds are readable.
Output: 5,50
